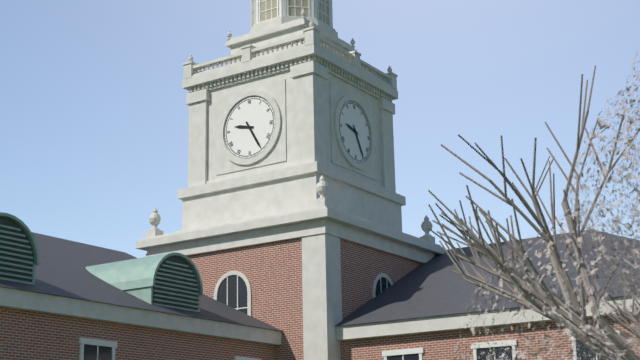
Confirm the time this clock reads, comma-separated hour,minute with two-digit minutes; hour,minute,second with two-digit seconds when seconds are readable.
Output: 9,25
